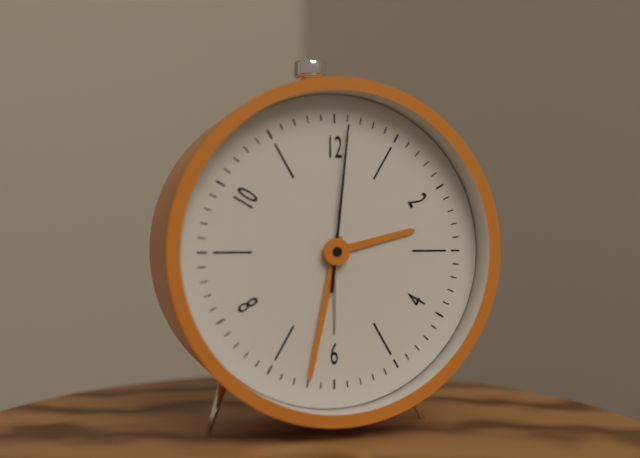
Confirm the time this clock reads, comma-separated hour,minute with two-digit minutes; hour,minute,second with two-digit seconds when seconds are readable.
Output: 2,32,01
